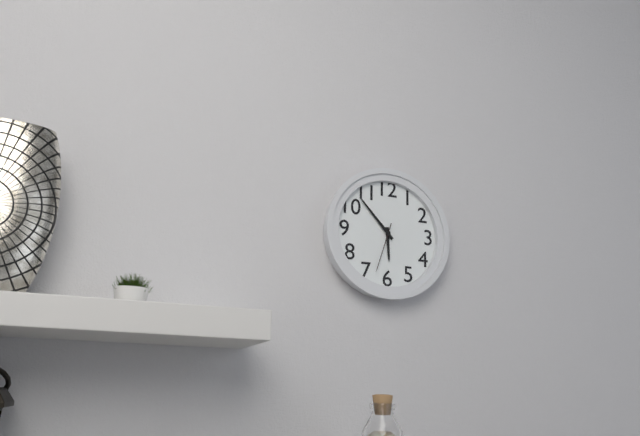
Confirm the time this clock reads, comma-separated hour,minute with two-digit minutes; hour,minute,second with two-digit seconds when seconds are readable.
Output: 5,53,33
